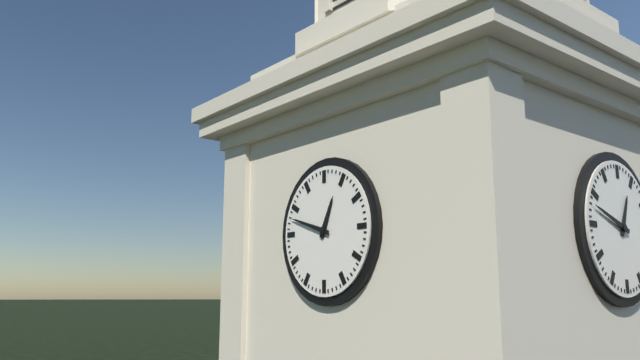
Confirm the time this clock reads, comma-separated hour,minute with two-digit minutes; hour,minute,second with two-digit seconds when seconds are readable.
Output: 12,48
